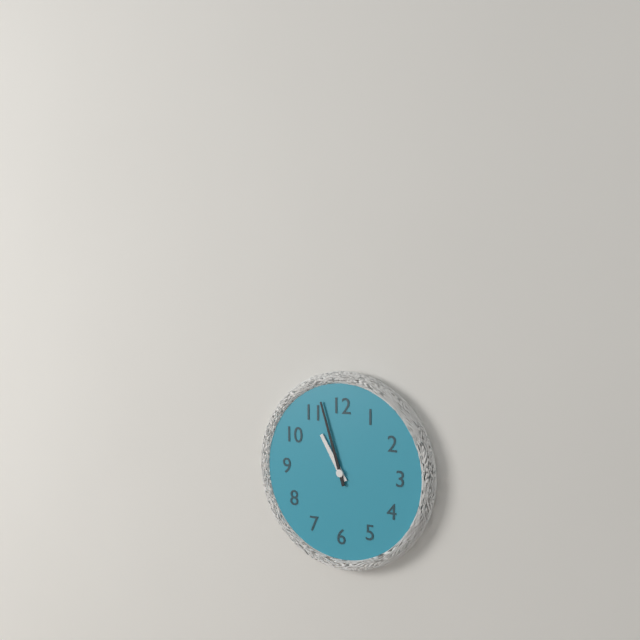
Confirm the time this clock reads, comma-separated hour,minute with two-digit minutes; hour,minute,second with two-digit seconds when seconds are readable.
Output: 10,57
